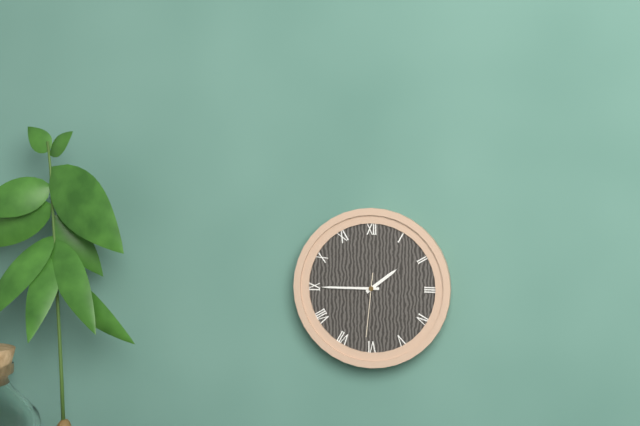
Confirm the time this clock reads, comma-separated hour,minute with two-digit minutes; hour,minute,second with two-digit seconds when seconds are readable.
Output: 1,45,31
